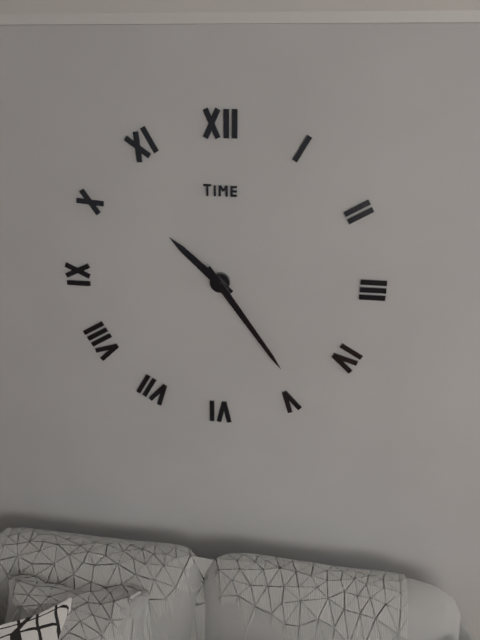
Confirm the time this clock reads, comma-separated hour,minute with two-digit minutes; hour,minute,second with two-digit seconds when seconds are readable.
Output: 10,24
